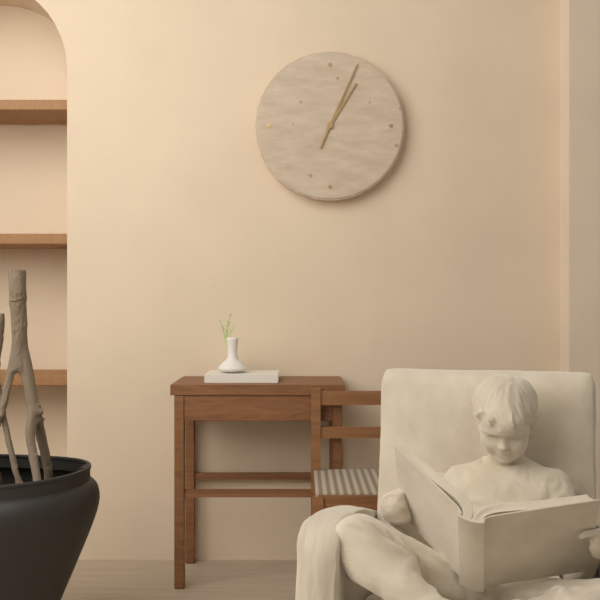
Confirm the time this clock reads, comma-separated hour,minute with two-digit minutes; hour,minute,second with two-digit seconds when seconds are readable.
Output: 1,04
